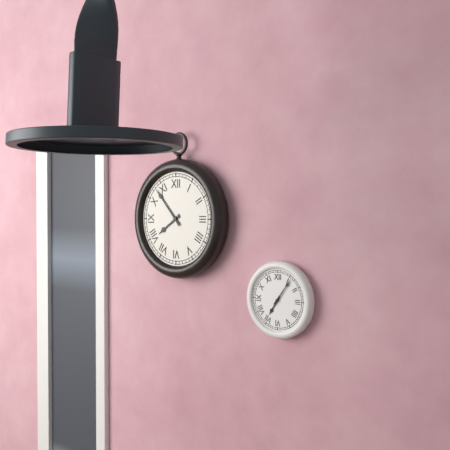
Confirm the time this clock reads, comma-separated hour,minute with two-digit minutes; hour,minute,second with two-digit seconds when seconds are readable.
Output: 7,53
